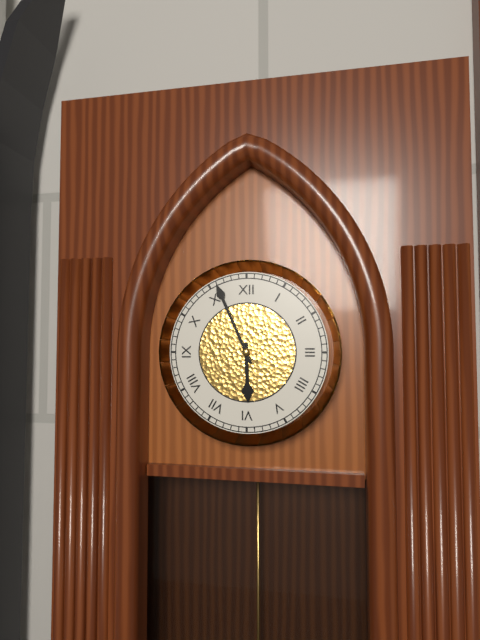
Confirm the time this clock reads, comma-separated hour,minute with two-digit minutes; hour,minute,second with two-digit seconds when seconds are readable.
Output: 5,56
